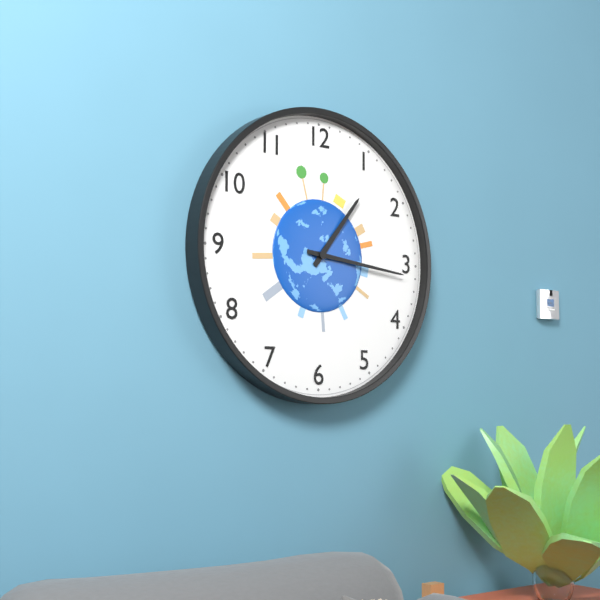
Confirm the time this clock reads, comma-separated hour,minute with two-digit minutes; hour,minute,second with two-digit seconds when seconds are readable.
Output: 1,16
